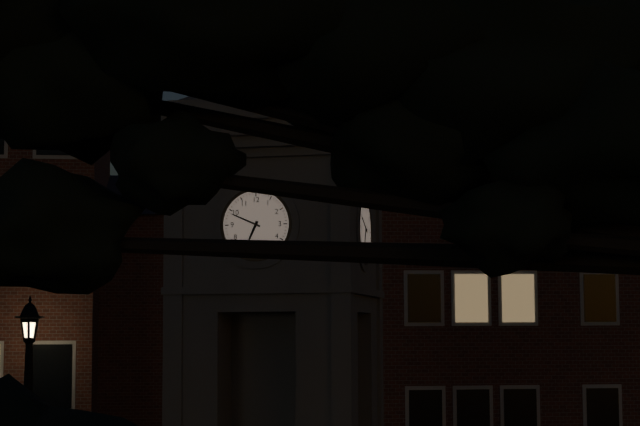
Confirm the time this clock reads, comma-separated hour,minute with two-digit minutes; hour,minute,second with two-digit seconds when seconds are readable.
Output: 6,49
